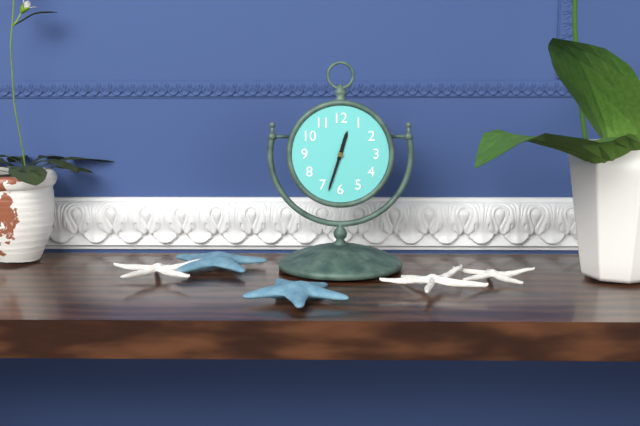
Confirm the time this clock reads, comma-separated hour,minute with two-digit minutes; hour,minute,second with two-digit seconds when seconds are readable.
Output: 12,33
